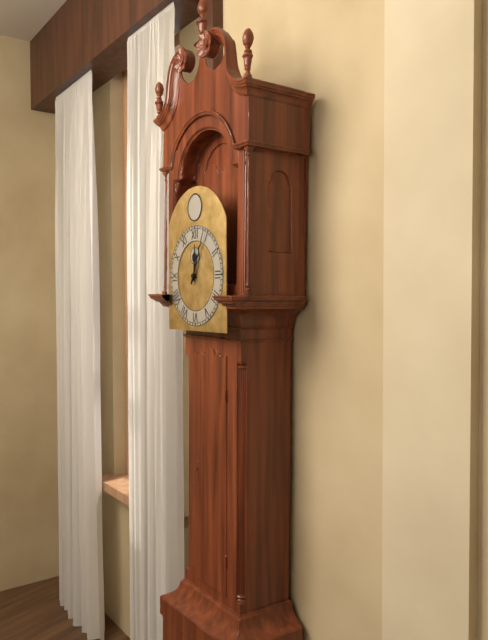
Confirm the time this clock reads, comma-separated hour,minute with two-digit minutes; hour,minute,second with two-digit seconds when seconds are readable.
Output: 12,04
